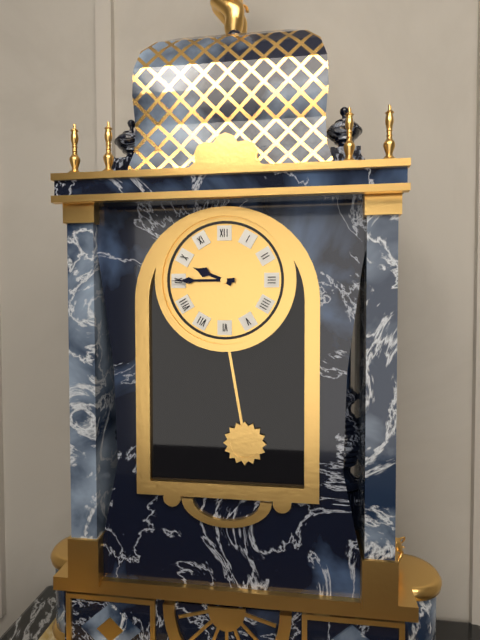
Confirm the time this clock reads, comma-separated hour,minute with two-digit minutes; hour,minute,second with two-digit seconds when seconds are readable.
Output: 9,45
